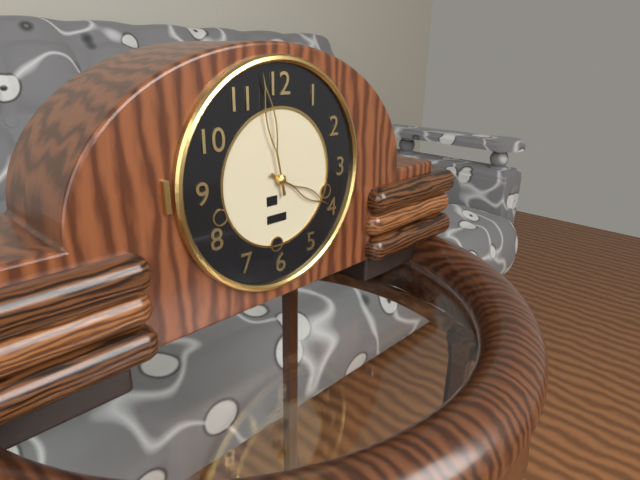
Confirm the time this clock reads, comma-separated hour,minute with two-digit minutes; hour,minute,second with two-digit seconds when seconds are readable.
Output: 3,58
